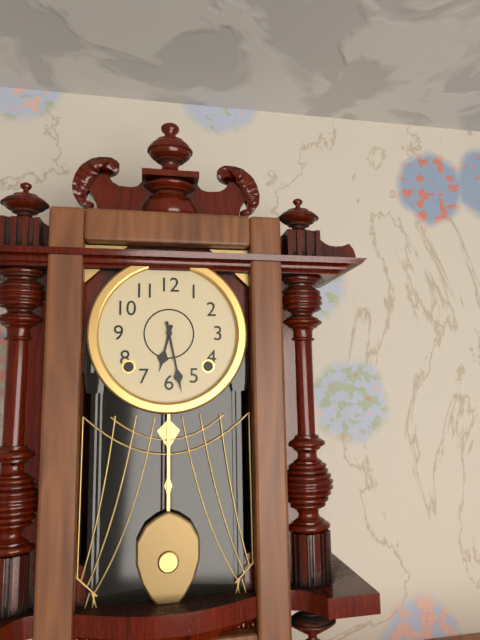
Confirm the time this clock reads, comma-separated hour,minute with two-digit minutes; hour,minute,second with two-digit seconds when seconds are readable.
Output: 6,28
